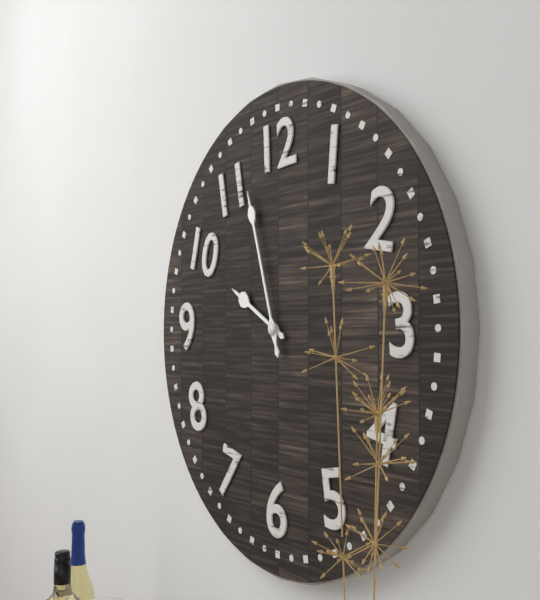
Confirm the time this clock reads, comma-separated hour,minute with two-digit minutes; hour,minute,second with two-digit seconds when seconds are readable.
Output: 9,57
